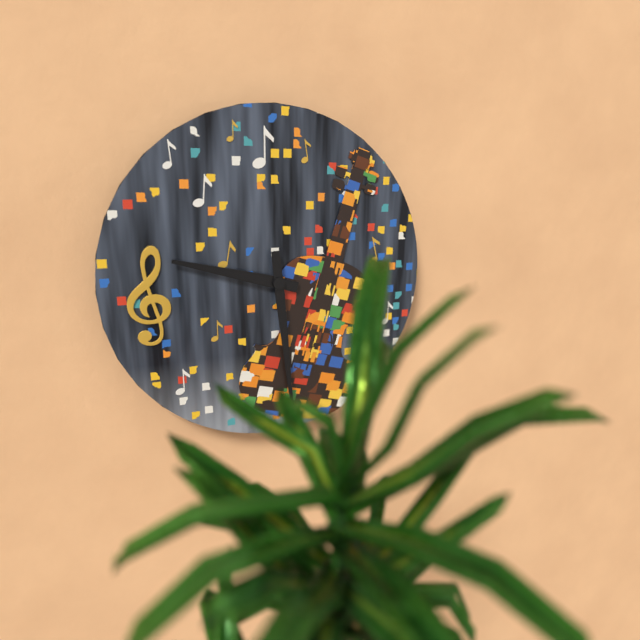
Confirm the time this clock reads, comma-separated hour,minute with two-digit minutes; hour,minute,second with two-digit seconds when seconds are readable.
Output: 9,29
